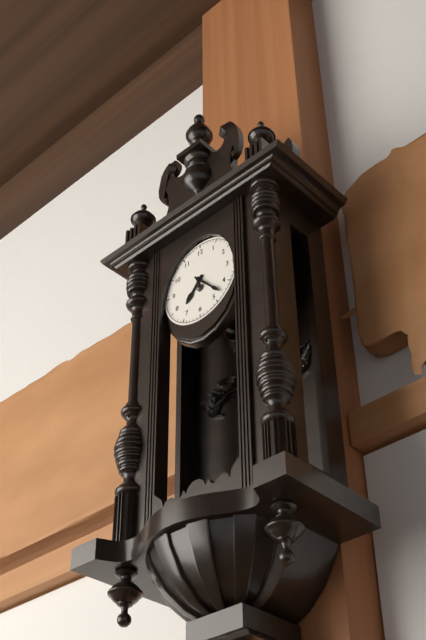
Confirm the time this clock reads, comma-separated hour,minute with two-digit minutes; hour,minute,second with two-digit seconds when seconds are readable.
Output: 7,23
